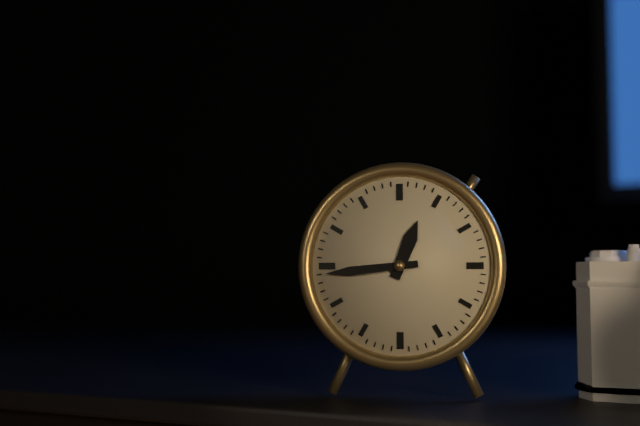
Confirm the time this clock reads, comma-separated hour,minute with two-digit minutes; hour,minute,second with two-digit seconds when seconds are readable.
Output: 12,44
